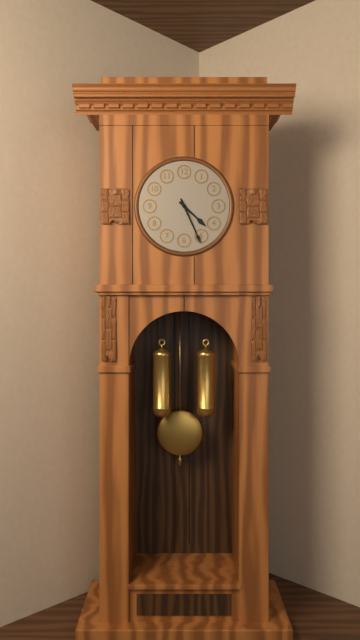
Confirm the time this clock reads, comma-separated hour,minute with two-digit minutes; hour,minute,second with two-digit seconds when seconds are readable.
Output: 4,26
